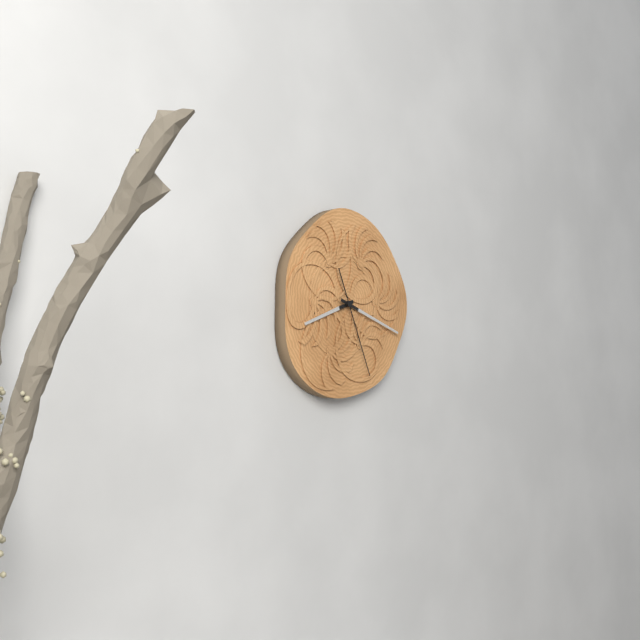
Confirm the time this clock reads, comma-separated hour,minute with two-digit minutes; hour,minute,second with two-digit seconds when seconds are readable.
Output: 8,18,26
